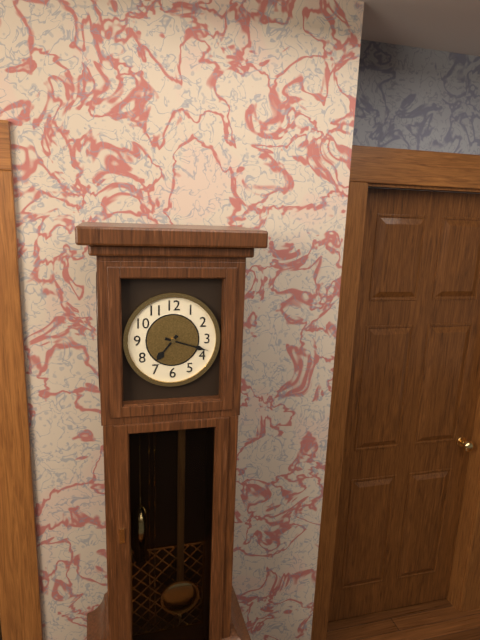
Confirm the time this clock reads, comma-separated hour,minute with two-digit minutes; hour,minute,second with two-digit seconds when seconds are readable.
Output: 7,18
